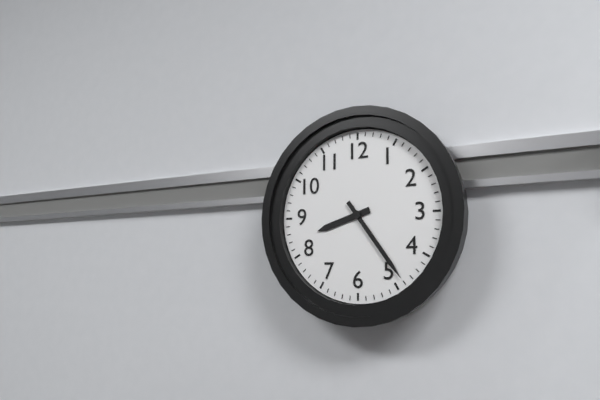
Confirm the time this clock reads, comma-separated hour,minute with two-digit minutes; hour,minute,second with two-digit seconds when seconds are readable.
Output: 8,24
